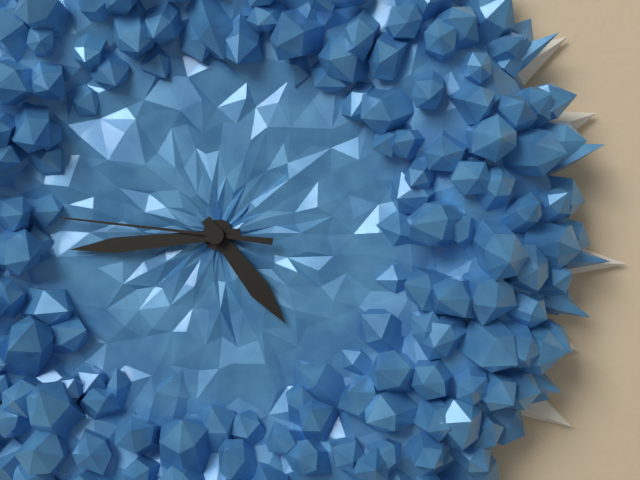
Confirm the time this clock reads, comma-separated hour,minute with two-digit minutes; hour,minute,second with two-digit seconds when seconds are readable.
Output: 4,44,46
